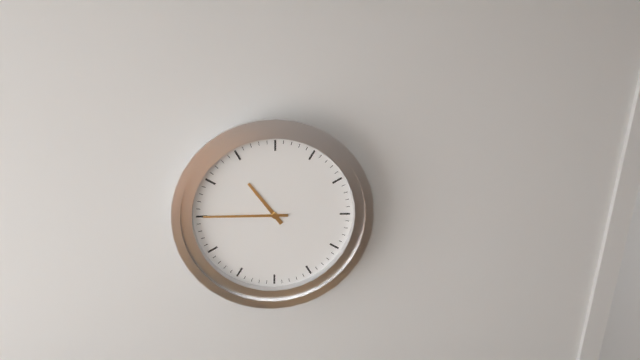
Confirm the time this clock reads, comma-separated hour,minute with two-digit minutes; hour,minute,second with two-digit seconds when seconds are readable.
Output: 10,45
